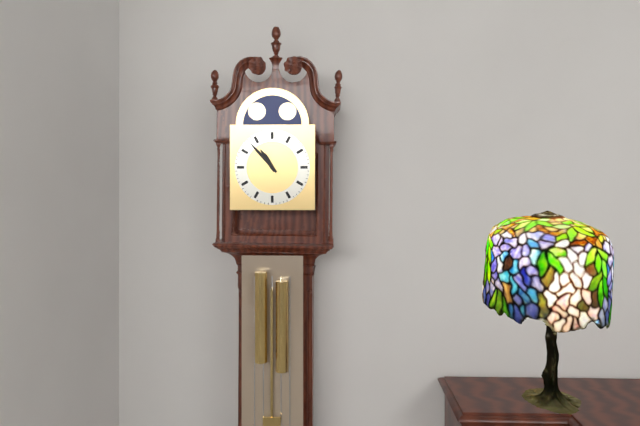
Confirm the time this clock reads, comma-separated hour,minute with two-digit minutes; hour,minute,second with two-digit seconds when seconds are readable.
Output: 10,53
